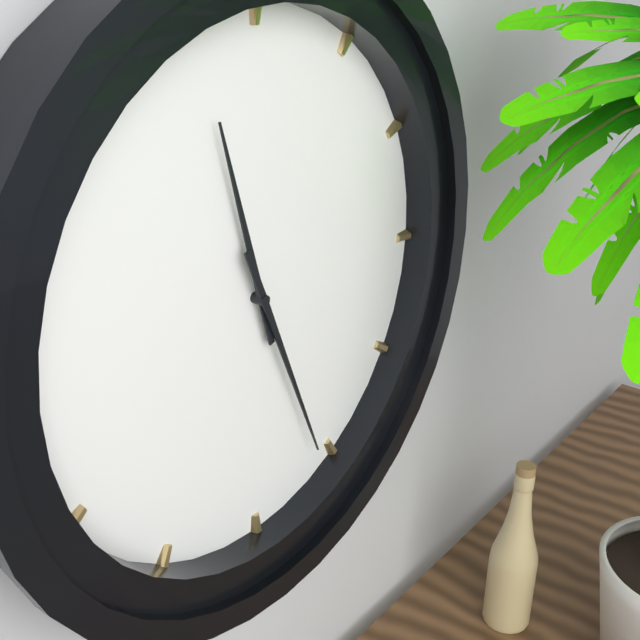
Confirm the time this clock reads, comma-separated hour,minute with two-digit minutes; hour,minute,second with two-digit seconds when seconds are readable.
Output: 11,26
